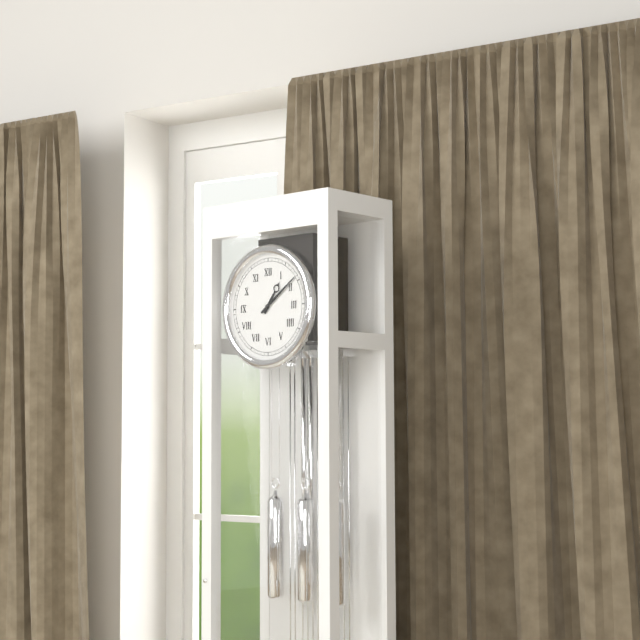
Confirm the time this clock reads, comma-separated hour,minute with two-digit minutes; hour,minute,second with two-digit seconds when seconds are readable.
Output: 1,09
